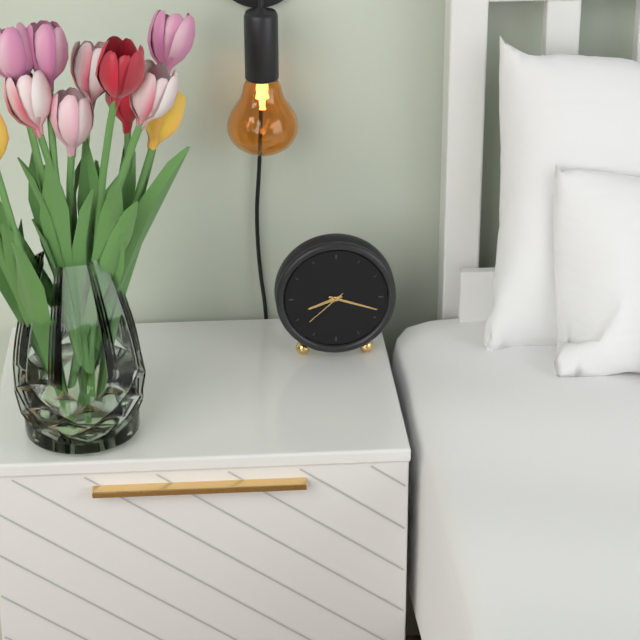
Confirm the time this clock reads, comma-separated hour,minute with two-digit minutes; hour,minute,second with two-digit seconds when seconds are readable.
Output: 8,18
